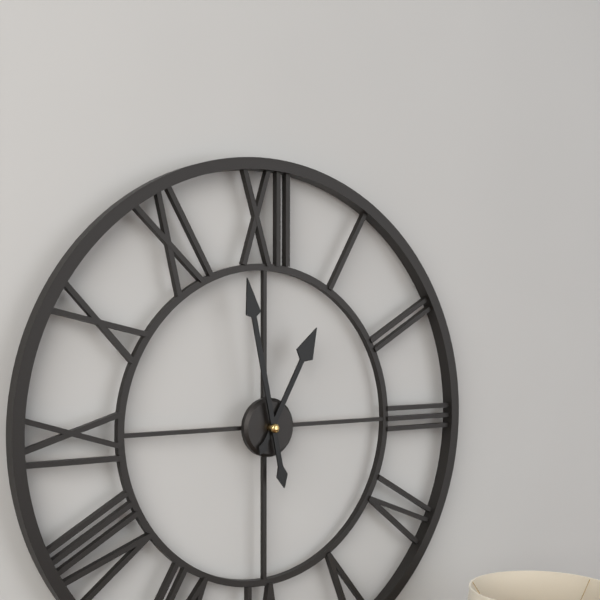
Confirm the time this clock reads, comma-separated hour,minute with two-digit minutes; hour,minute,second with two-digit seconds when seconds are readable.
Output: 12,58
